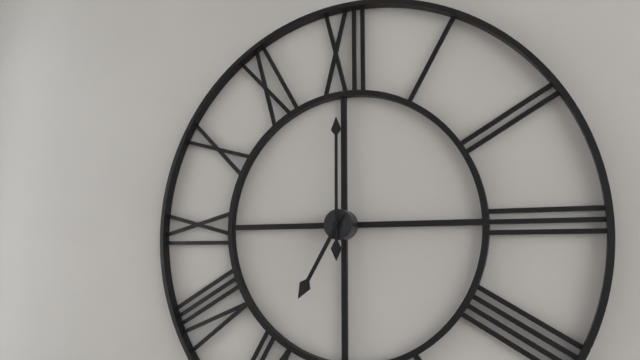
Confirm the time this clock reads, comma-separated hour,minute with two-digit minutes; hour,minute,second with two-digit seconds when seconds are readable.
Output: 7,00
